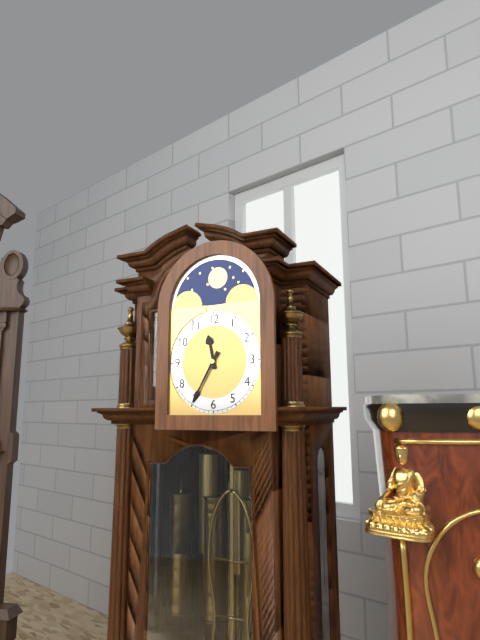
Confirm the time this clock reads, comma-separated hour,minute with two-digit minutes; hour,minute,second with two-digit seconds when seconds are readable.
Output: 11,35
